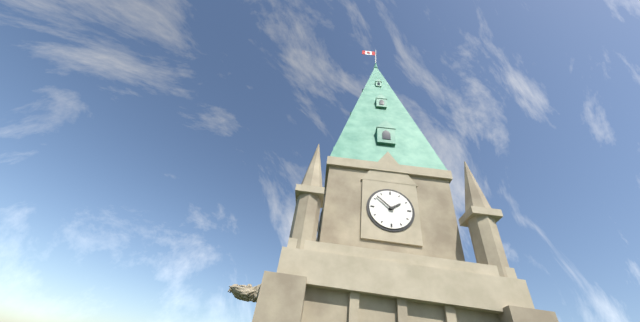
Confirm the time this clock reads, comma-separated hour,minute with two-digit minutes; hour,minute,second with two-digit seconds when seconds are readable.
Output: 1,52
